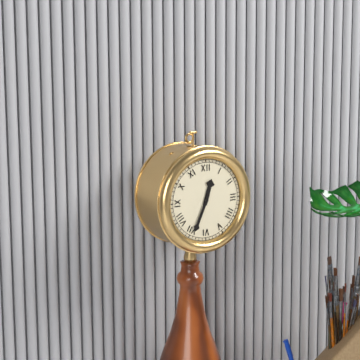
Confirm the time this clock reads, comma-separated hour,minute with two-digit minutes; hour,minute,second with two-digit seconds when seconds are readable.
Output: 12,34
